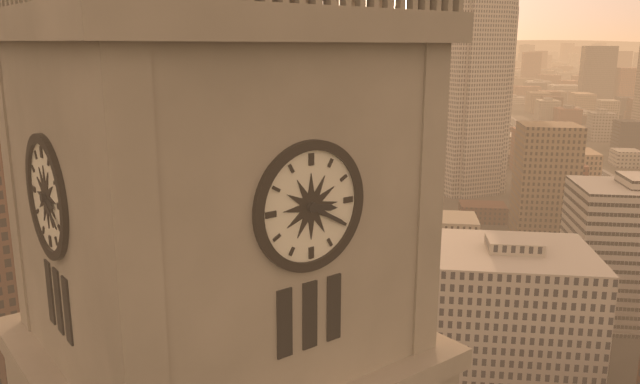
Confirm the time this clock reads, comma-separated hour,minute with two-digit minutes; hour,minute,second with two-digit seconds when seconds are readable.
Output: 3,20
